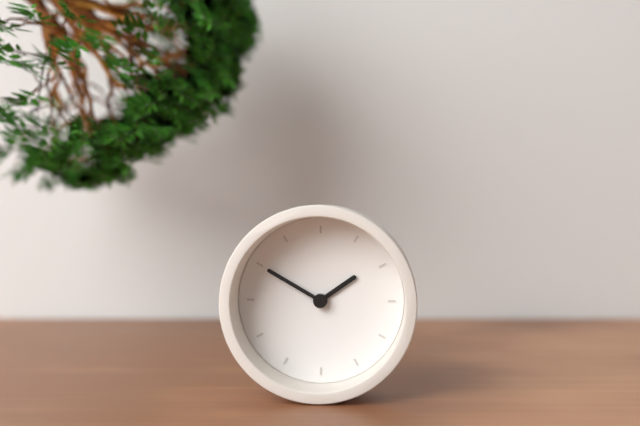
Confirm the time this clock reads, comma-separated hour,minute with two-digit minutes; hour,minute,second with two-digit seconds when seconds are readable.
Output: 1,50
